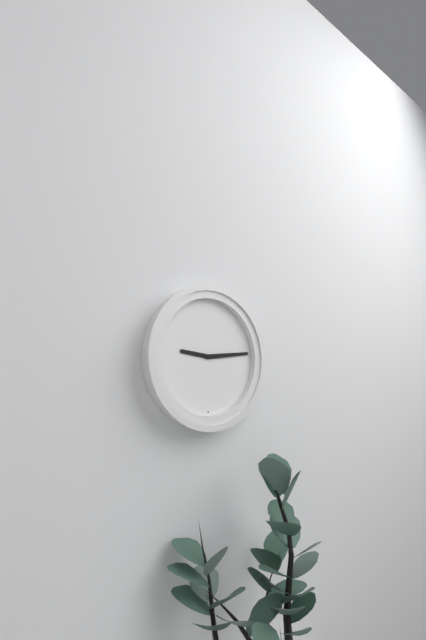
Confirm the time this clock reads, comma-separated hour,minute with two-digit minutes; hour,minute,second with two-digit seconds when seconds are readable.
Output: 9,14
